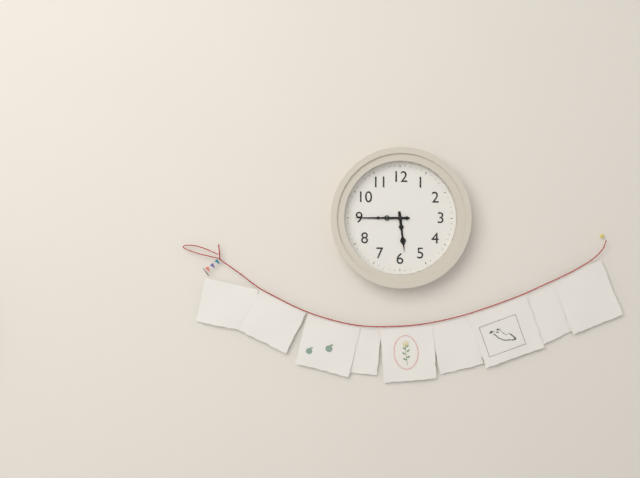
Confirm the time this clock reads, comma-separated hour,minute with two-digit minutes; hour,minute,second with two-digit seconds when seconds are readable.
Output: 5,45
